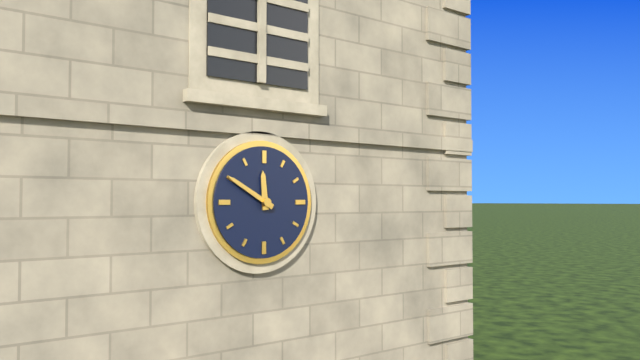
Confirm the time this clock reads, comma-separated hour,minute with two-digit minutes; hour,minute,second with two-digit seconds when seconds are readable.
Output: 11,50
